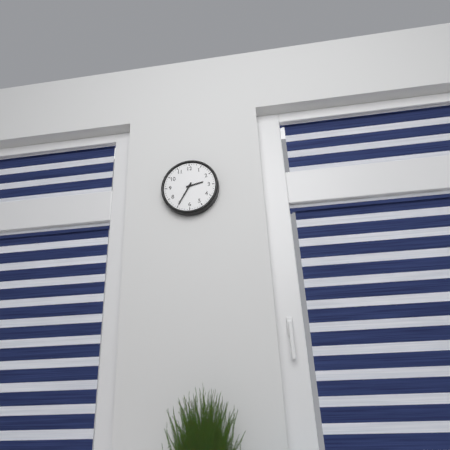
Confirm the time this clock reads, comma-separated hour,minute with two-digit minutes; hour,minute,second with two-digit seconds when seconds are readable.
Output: 2,35
